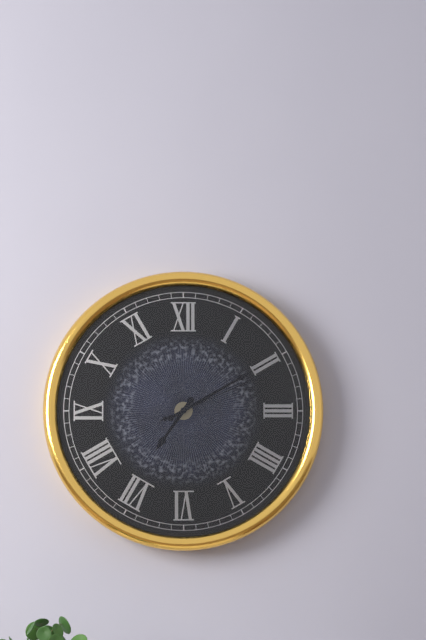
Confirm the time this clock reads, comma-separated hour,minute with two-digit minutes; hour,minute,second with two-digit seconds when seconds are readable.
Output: 7,10,11
